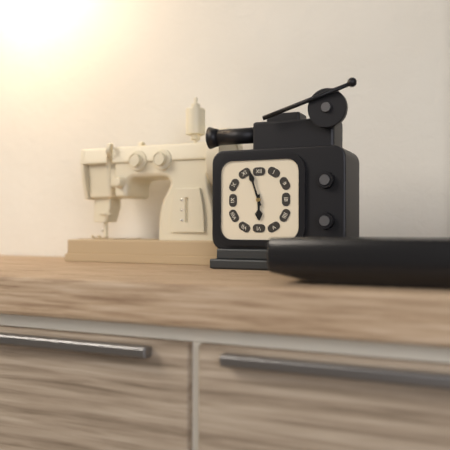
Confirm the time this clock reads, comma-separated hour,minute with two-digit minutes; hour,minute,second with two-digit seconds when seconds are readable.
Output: 5,57
